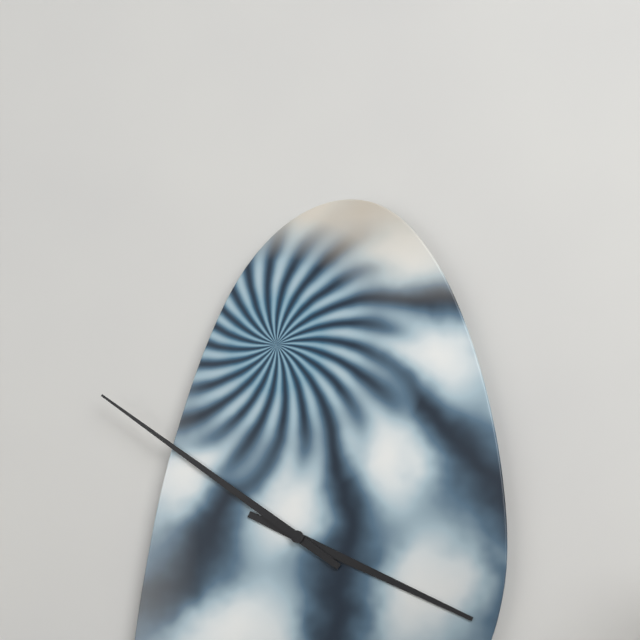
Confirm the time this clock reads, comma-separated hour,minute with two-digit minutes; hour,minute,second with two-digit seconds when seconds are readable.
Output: 3,51
